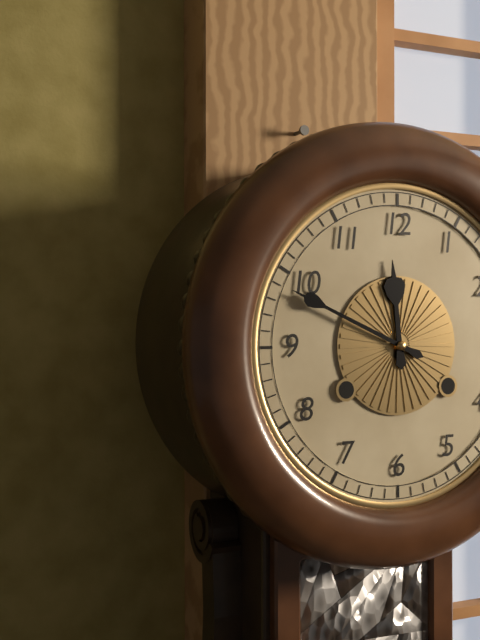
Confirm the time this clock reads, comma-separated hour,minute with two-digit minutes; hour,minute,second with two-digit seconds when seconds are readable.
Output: 11,49
